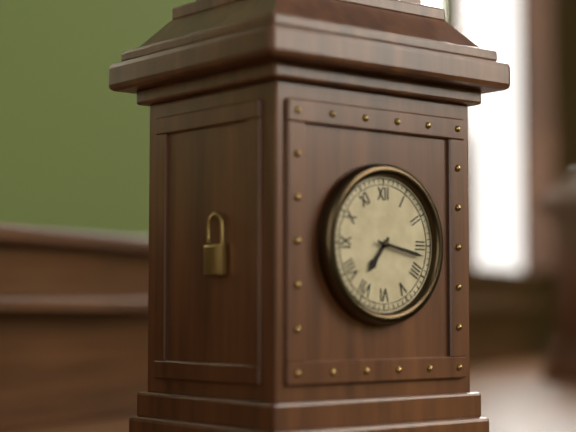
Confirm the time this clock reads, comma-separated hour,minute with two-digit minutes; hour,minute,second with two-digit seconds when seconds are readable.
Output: 7,17
